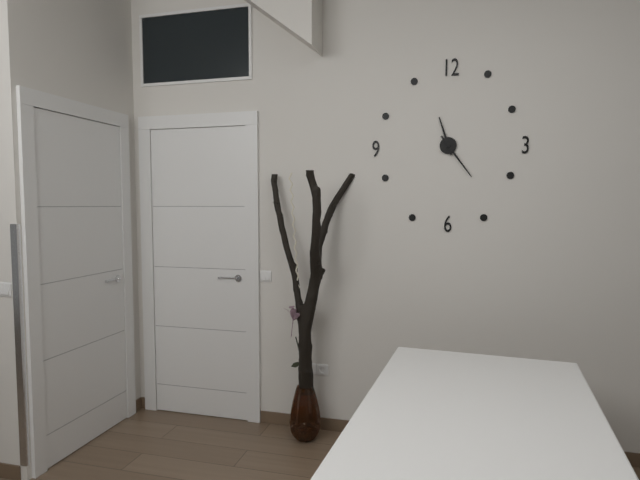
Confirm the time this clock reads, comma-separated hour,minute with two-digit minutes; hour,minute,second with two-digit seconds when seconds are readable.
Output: 11,24
